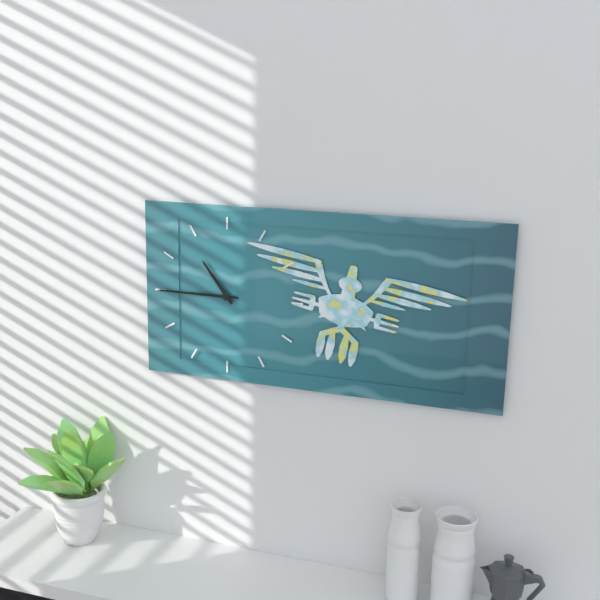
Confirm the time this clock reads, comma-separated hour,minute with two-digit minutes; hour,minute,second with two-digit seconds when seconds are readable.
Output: 10,45
